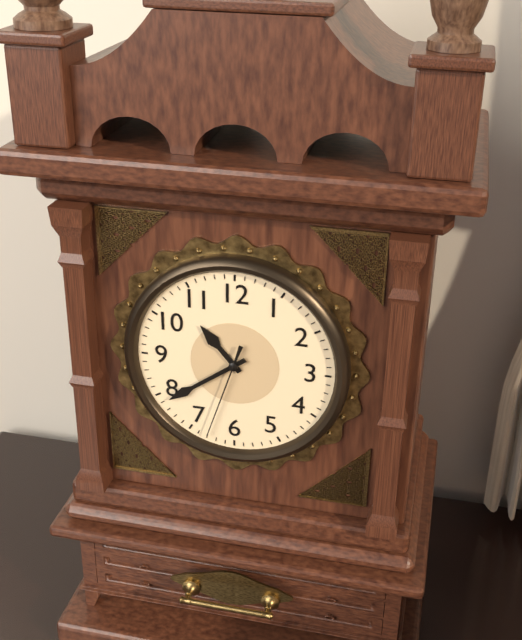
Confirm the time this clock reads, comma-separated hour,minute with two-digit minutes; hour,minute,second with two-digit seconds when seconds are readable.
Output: 10,39,33
